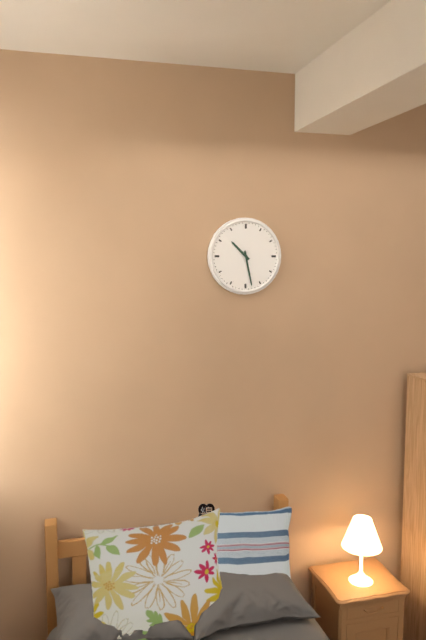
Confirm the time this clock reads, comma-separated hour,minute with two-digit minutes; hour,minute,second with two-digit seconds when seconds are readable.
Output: 10,28
